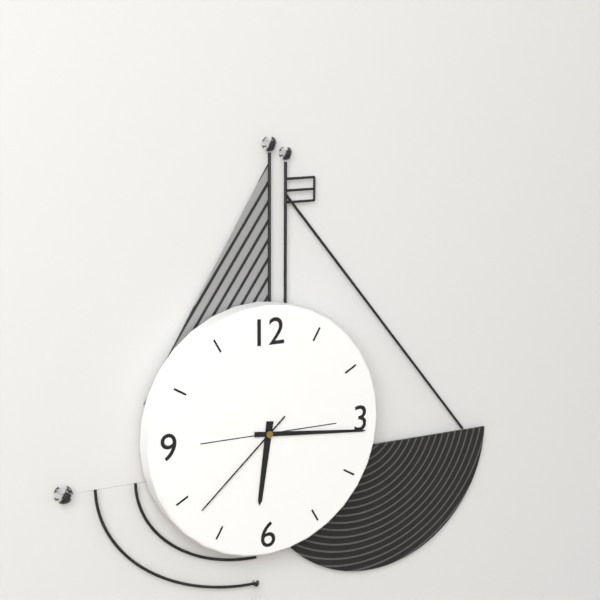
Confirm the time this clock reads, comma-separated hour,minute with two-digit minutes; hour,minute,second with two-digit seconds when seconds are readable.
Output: 6,16,38
